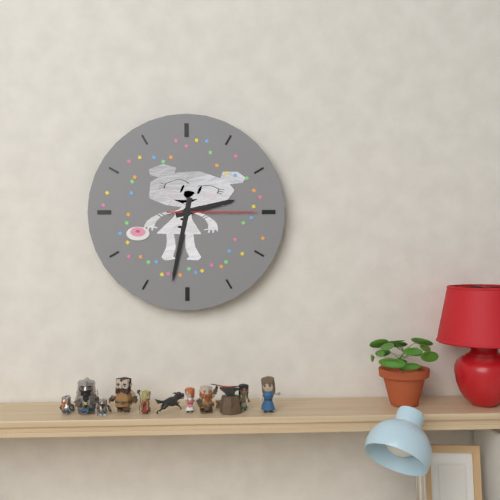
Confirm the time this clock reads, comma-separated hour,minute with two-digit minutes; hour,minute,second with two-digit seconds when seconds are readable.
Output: 2,32,15
